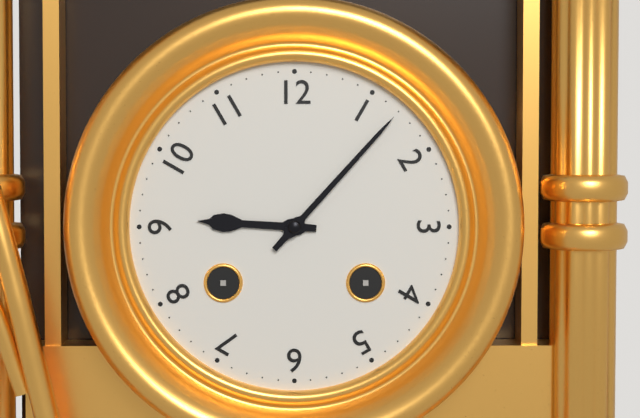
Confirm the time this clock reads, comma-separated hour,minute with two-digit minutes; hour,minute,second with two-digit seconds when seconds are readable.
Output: 9,07
